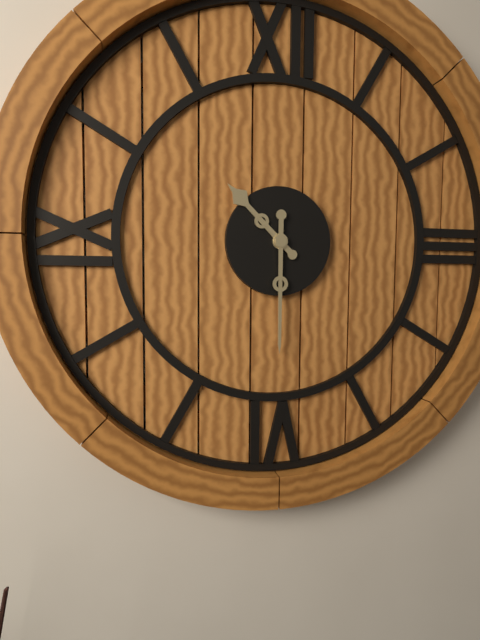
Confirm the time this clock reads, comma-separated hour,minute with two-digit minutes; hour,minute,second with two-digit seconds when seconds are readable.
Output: 10,30
